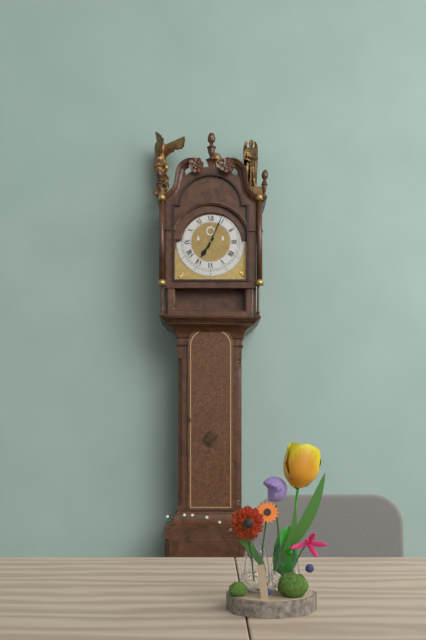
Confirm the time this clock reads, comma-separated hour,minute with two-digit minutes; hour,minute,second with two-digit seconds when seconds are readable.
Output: 7,04
